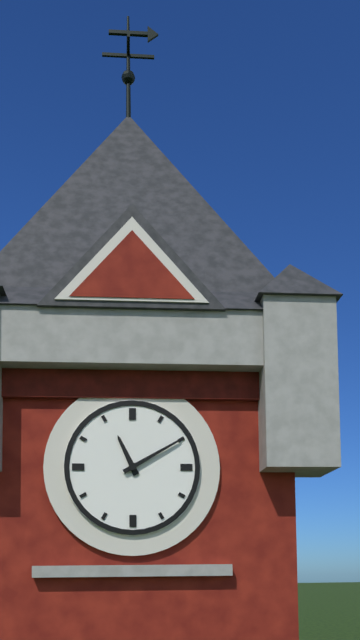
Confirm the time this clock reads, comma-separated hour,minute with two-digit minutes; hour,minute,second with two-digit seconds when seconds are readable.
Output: 11,10
